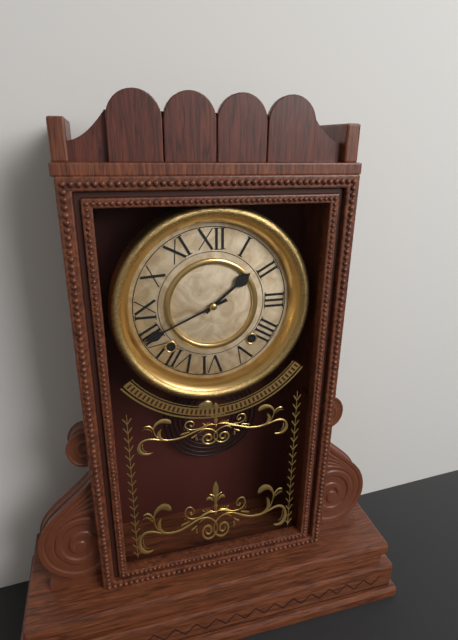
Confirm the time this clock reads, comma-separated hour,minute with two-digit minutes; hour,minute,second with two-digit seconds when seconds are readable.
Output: 1,41
